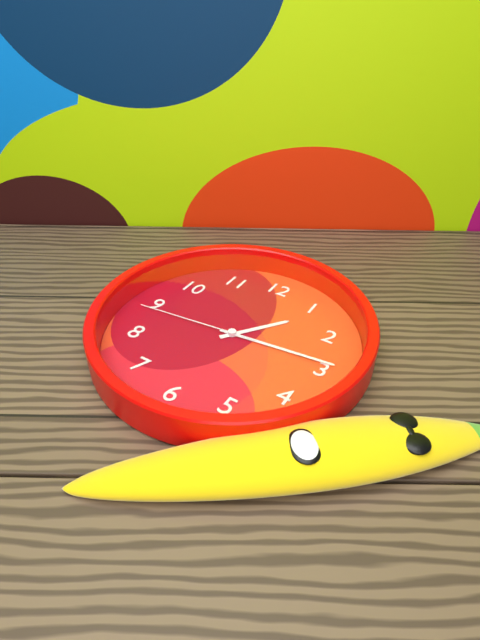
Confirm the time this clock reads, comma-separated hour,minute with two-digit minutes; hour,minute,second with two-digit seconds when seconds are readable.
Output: 1,14,44
